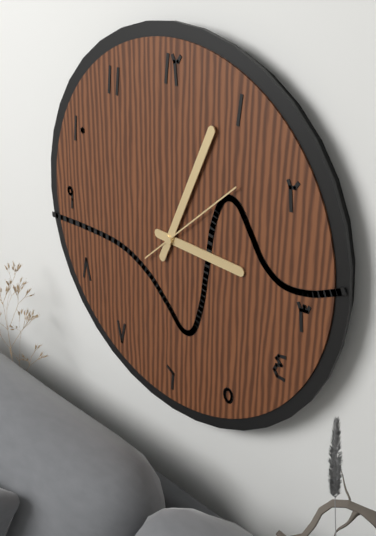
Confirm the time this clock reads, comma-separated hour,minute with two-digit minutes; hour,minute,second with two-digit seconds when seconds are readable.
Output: 3,04,08
